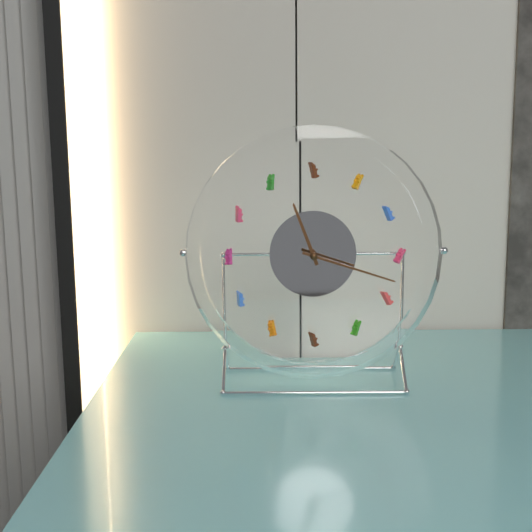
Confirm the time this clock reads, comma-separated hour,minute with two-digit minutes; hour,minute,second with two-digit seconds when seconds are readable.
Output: 11,18
